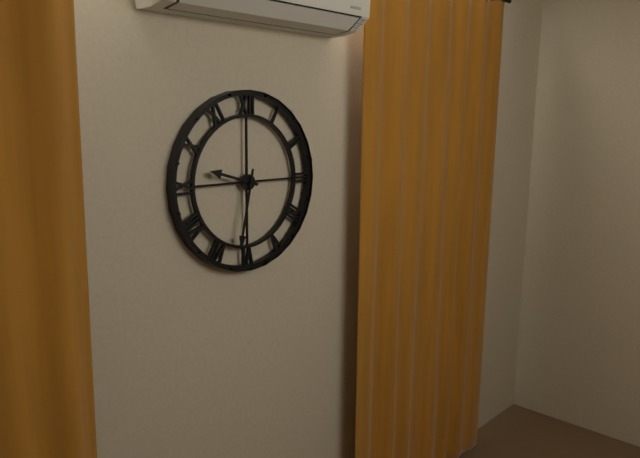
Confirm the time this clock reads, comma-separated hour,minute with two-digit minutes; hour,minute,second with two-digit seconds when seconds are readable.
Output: 9,32
